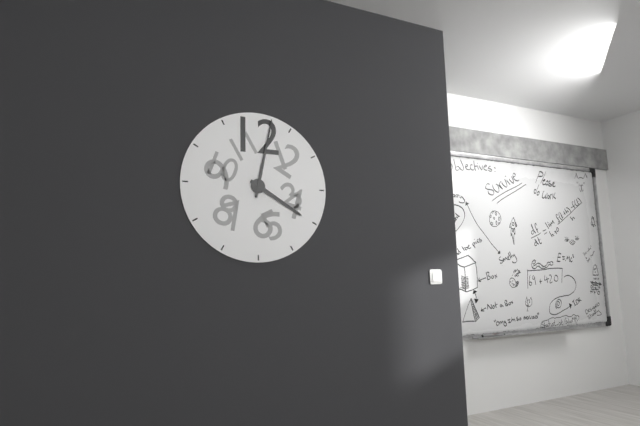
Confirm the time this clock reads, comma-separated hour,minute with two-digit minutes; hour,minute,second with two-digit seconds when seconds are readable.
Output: 4,02
